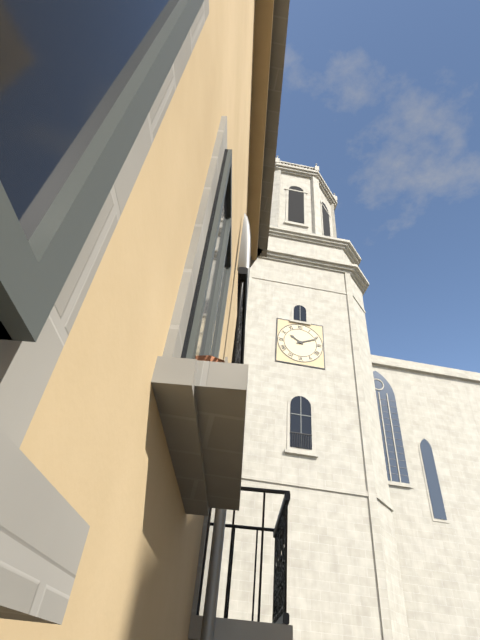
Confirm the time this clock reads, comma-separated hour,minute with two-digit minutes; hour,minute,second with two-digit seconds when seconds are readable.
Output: 10,11
